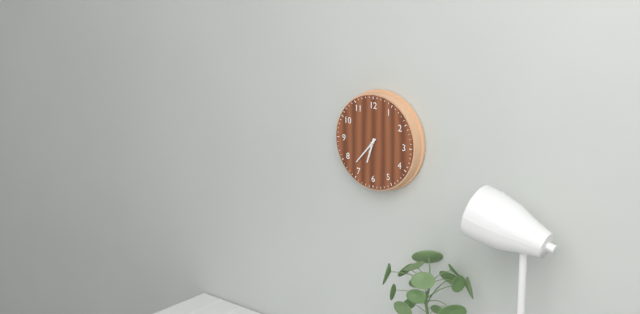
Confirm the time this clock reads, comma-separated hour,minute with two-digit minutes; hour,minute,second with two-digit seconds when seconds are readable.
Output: 6,37
